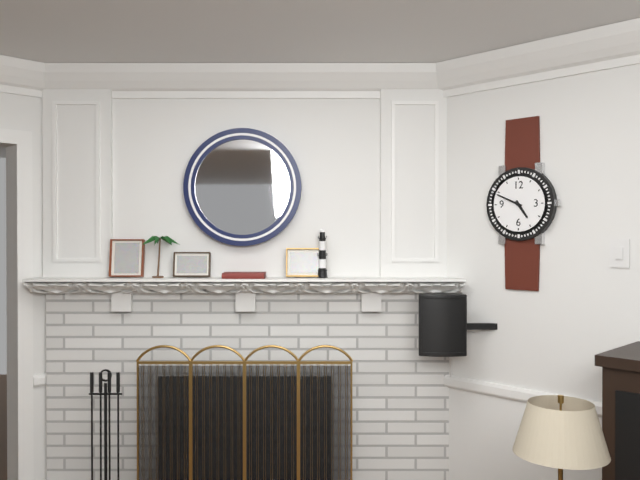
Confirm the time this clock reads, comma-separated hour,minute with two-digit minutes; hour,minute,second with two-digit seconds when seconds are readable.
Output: 4,49
